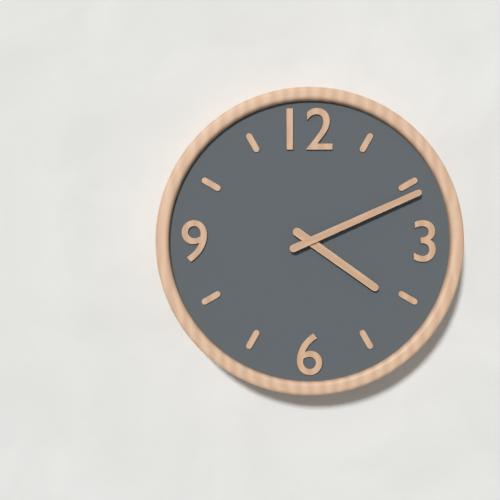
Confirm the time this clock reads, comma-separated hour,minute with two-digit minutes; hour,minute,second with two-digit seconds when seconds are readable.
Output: 4,11
